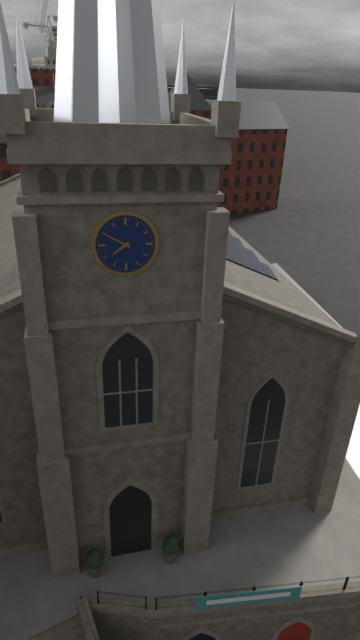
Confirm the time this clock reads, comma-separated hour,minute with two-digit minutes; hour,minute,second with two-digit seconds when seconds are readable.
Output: 7,50
